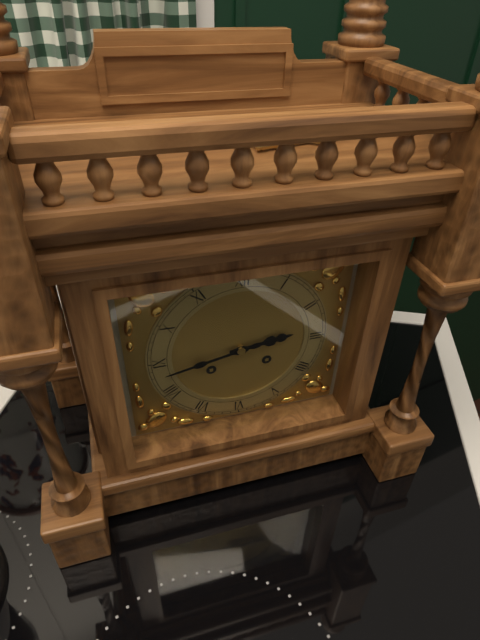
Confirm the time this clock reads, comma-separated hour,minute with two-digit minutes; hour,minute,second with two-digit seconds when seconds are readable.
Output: 2,43
